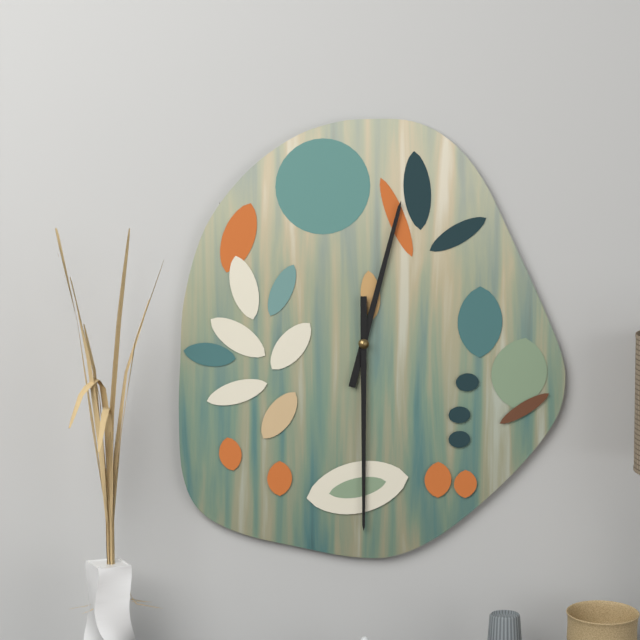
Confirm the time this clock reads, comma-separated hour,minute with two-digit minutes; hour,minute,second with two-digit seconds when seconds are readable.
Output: 12,30
